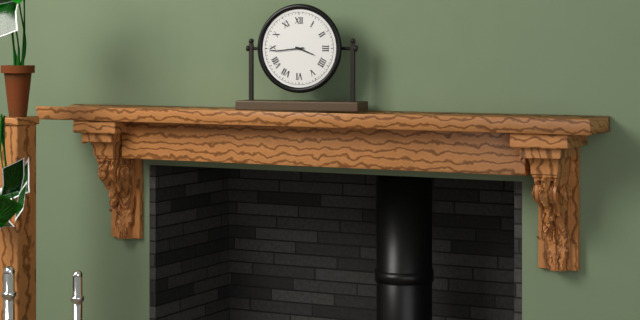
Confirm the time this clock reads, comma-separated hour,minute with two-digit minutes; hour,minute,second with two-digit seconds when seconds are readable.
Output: 3,44
